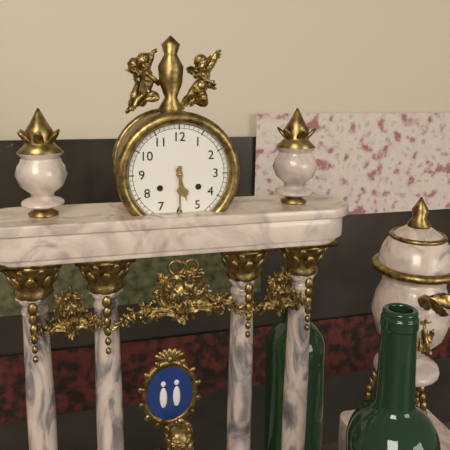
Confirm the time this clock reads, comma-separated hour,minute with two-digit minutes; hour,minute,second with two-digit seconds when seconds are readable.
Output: 5,30
